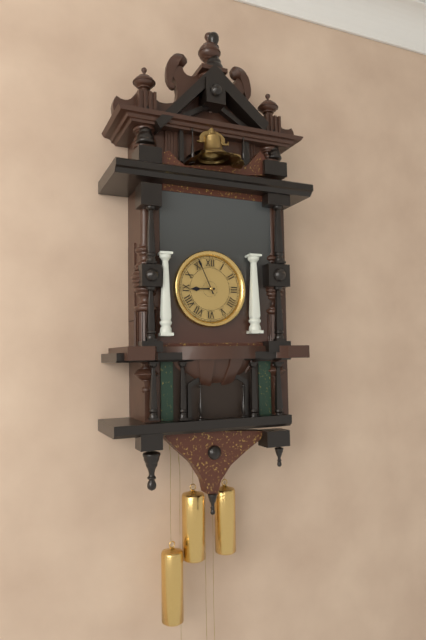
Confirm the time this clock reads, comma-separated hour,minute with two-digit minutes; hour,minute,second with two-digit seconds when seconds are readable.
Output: 8,56
